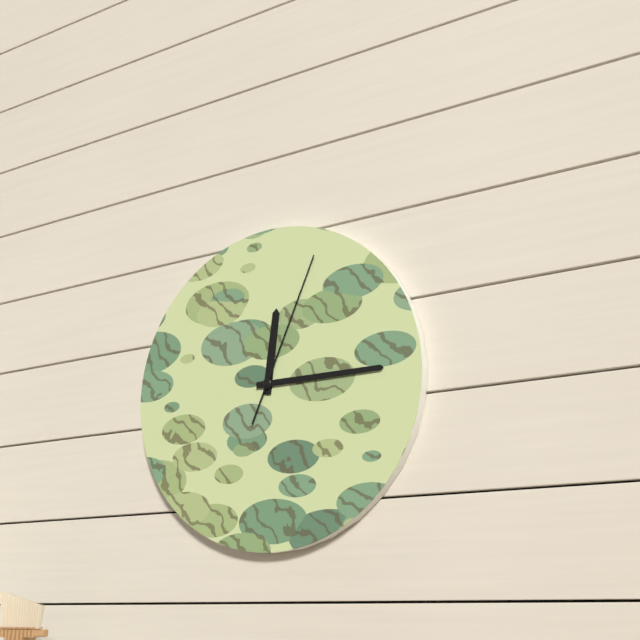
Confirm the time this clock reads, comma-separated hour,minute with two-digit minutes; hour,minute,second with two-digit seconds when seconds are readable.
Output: 12,15,04
